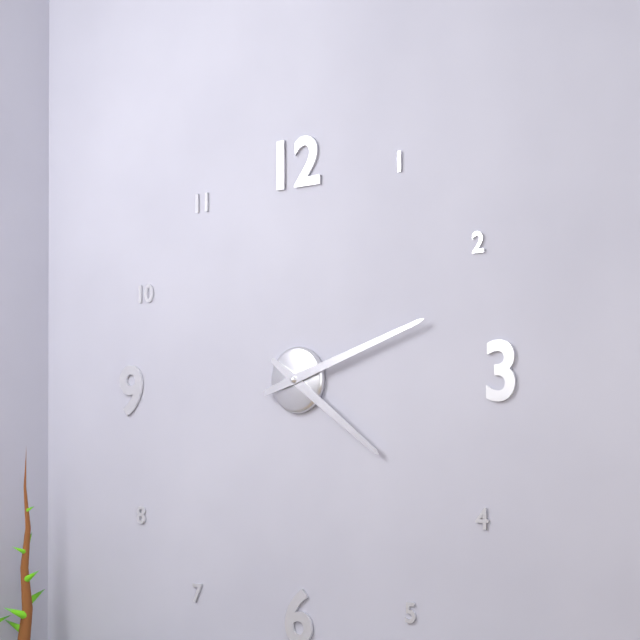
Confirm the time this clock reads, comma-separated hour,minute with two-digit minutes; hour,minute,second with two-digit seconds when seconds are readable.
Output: 4,12
